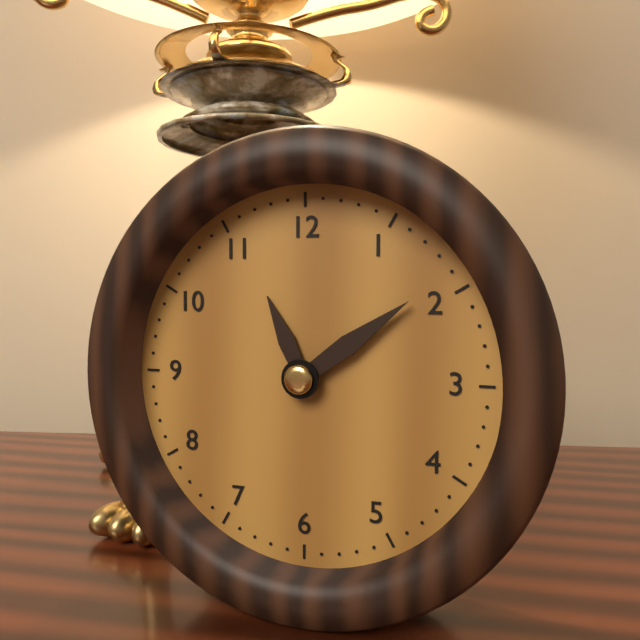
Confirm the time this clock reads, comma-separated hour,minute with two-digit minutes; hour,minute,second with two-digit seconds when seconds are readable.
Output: 11,09
